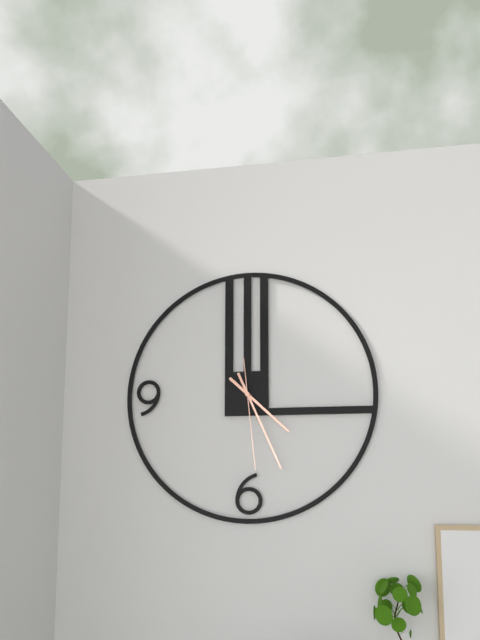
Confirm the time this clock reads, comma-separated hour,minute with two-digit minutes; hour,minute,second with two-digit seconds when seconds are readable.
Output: 4,26,29
